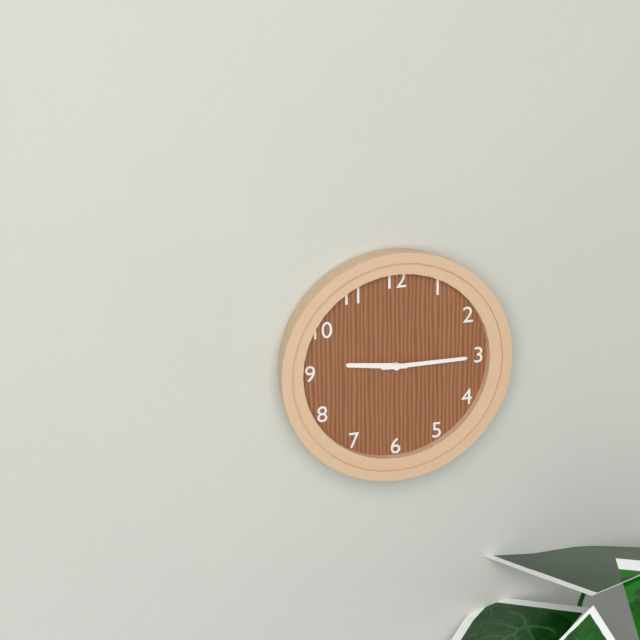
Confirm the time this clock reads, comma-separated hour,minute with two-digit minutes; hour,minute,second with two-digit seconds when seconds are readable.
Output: 9,15
